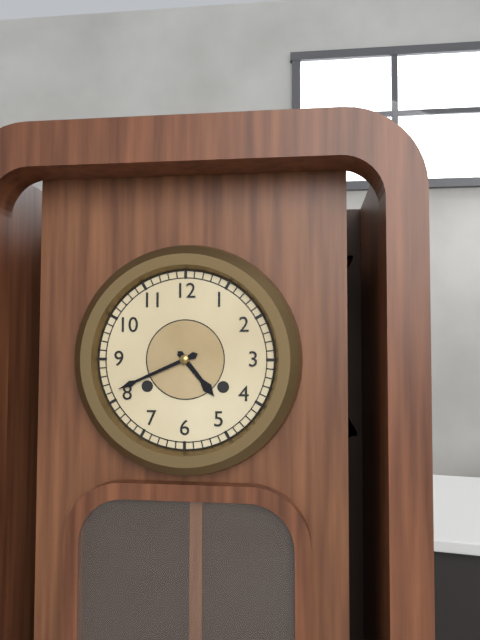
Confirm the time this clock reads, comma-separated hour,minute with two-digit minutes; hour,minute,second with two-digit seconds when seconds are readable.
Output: 4,41
